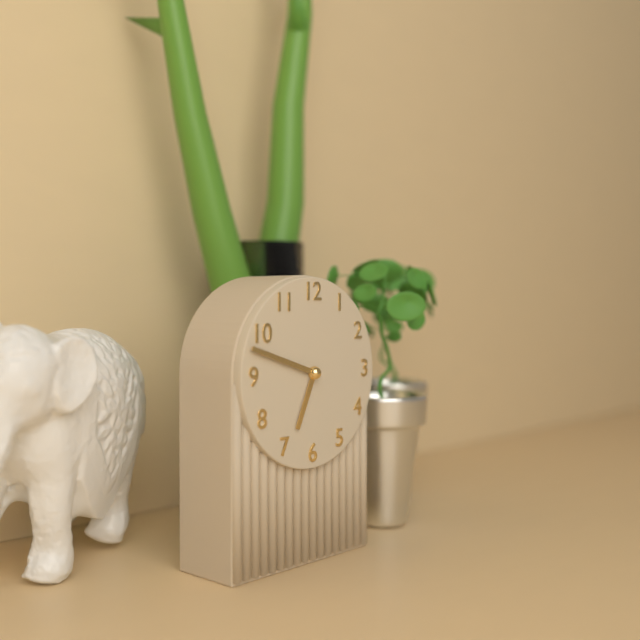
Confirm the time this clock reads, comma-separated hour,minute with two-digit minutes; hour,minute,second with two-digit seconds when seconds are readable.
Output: 6,48
